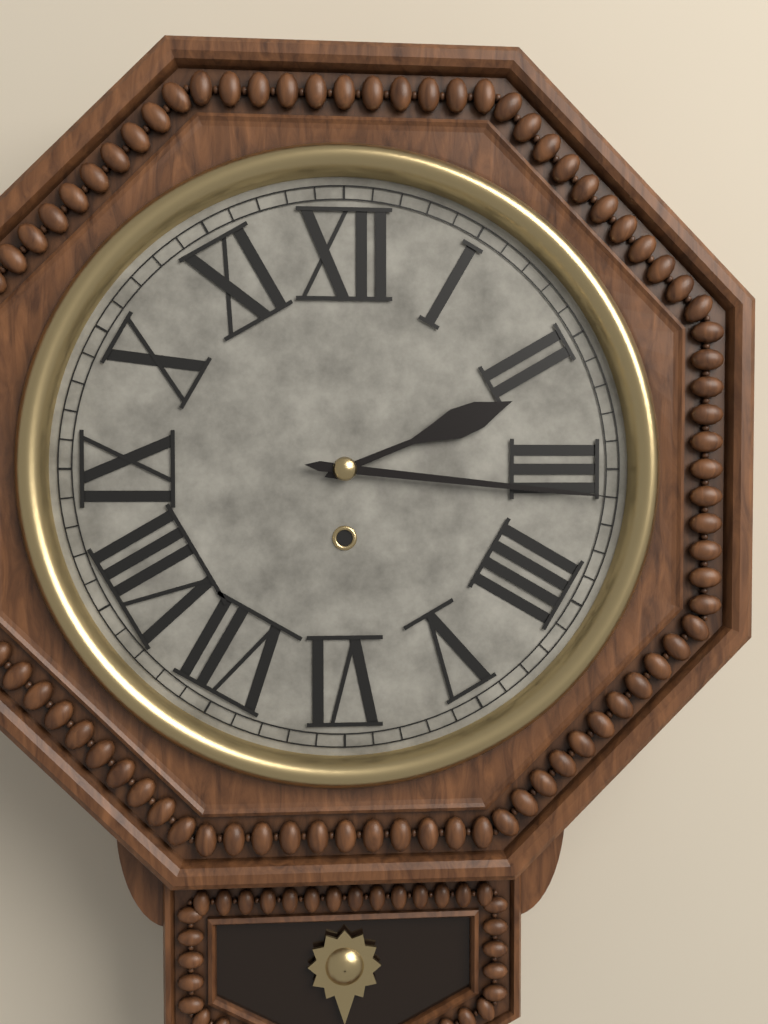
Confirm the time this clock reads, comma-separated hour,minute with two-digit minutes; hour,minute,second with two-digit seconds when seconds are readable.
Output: 2,16
